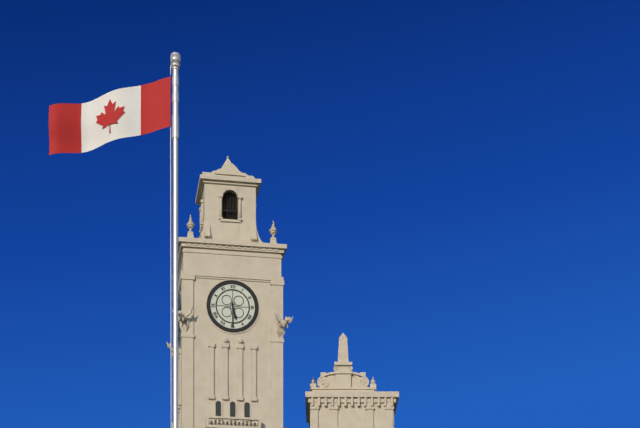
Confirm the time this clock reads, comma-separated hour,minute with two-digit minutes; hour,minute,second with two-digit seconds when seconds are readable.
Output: 5,30
